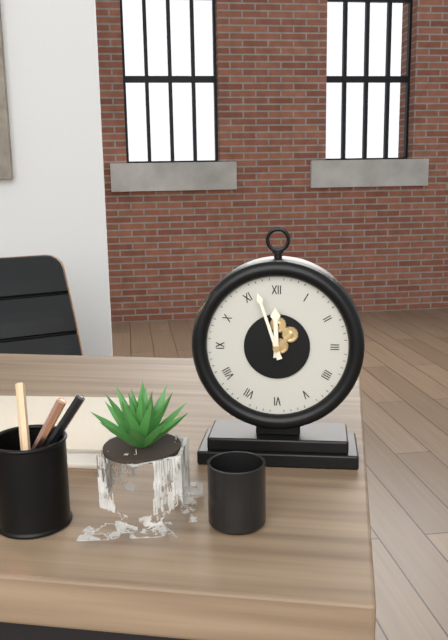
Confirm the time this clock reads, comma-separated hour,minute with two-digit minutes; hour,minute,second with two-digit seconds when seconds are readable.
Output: 11,57
